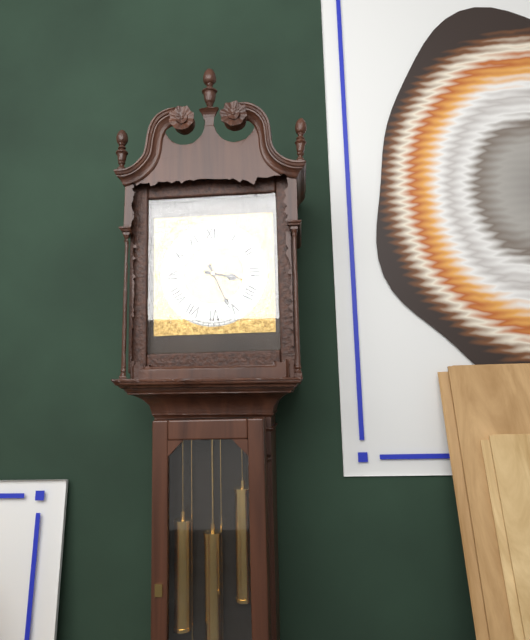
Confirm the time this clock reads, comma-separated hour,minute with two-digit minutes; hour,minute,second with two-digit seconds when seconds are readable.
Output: 3,26
